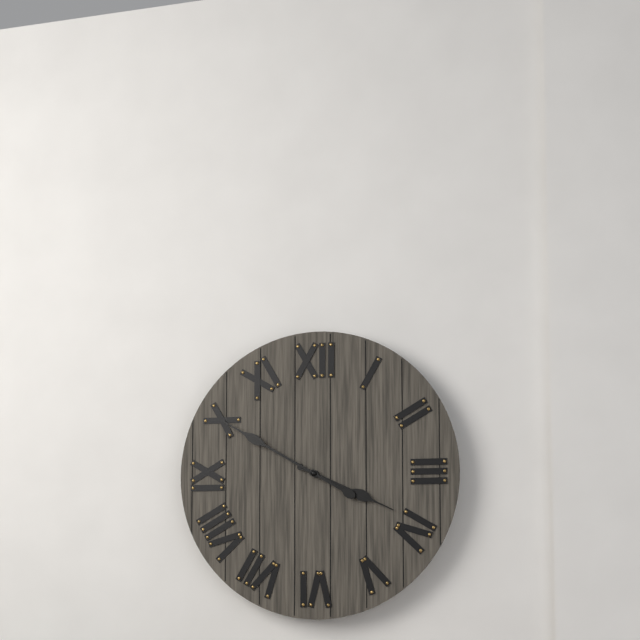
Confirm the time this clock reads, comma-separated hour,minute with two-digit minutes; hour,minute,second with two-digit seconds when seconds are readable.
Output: 3,50
